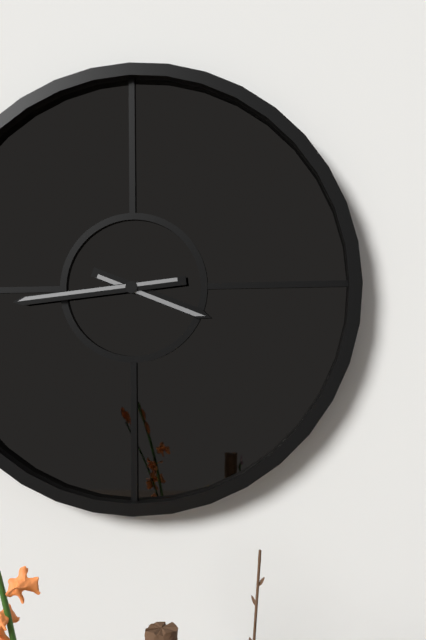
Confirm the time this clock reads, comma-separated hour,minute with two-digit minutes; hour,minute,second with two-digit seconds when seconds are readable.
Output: 3,44
